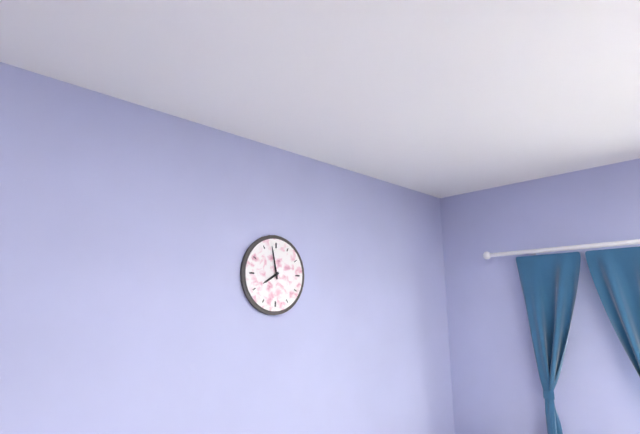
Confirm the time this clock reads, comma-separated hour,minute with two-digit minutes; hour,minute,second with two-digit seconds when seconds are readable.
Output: 7,58
